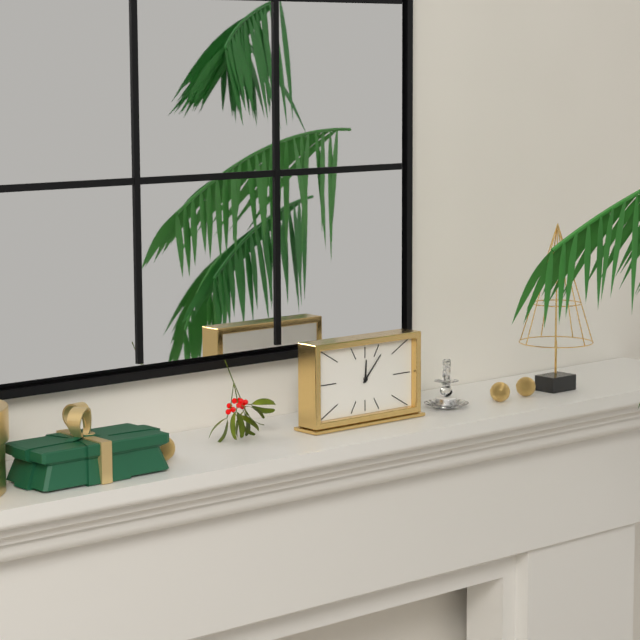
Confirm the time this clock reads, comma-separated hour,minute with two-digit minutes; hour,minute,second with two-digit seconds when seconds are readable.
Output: 12,07
